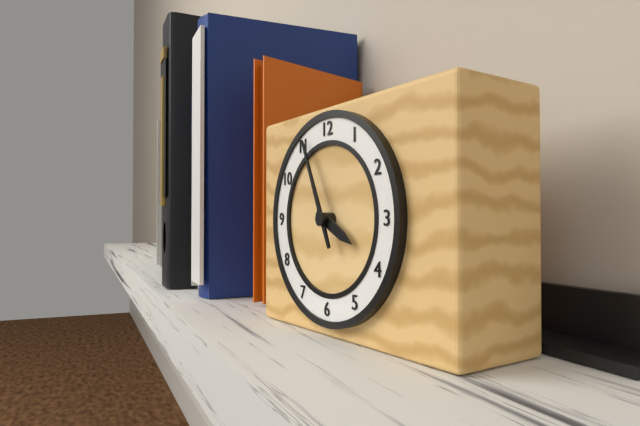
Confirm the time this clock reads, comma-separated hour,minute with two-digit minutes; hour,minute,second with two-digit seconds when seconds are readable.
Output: 3,56
